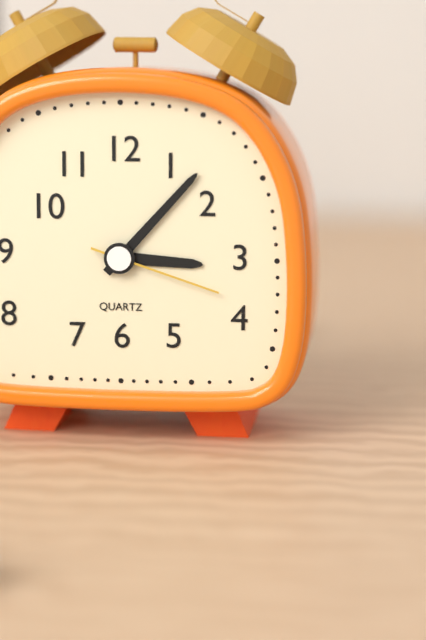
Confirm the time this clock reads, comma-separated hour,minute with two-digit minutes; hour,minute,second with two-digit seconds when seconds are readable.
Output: 3,07,18
